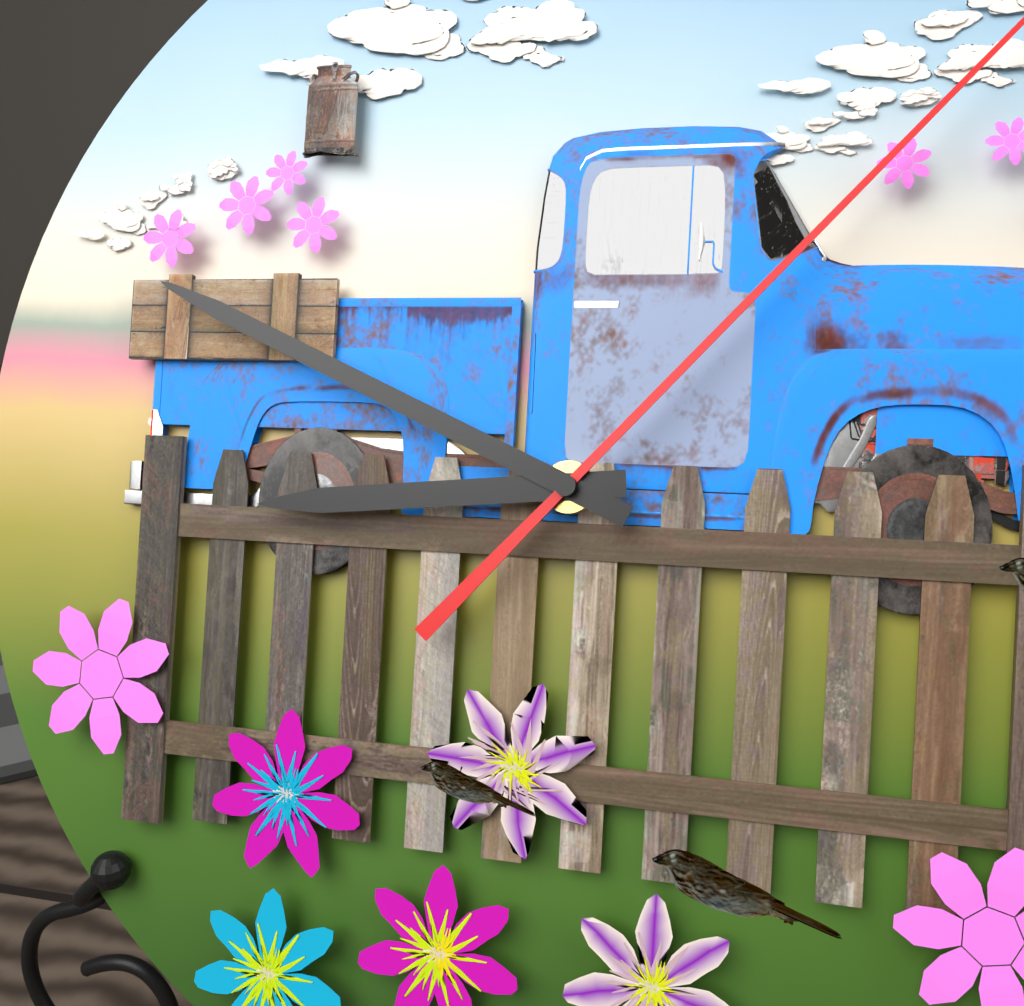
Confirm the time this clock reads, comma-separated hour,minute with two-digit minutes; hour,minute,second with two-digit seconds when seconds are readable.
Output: 8,49
